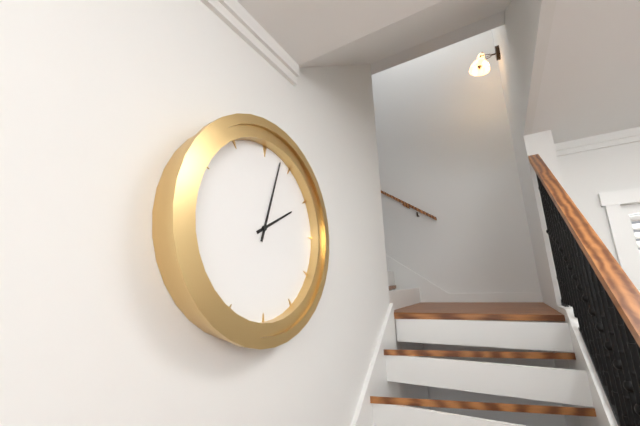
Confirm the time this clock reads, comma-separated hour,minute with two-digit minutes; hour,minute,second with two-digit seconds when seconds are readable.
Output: 2,03
